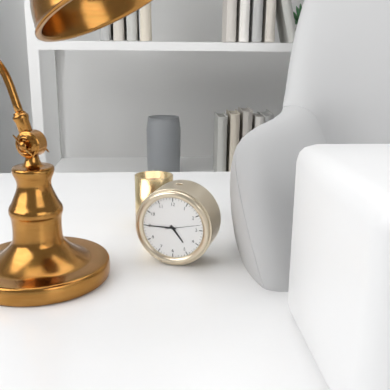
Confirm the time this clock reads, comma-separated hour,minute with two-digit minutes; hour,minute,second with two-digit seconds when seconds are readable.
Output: 4,45
